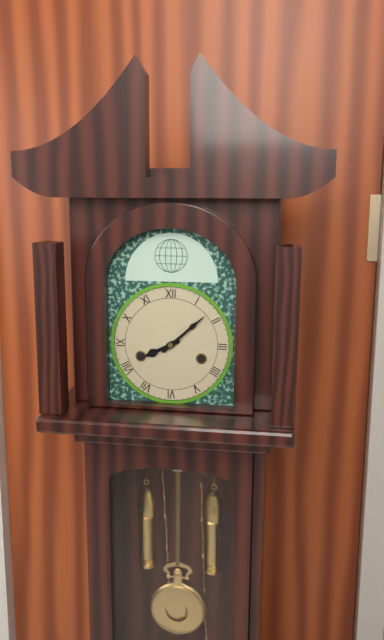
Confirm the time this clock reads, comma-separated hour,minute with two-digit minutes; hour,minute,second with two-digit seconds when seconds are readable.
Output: 8,08
